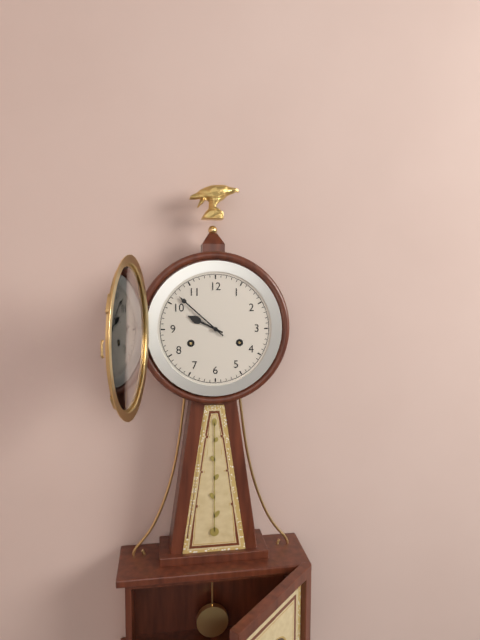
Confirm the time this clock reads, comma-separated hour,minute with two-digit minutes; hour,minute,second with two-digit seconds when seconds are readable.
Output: 9,52
